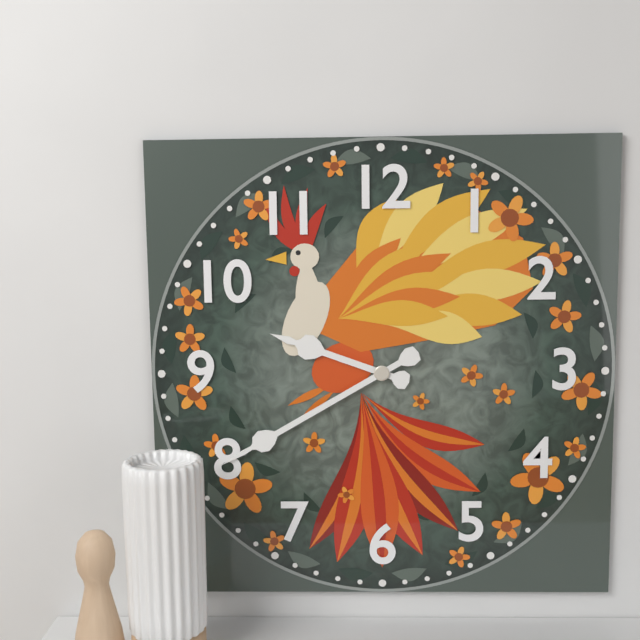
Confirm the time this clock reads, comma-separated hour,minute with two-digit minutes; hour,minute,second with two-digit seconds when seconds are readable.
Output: 9,40
